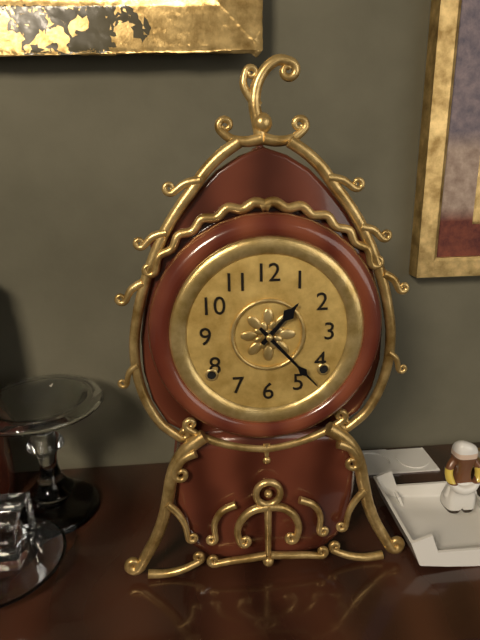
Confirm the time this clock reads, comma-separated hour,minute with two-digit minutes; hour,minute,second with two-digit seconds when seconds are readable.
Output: 1,23
